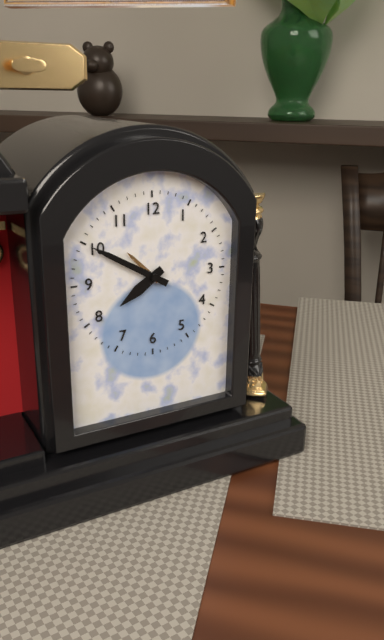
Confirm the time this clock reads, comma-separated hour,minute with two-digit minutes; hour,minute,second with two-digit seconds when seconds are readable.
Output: 7,50
